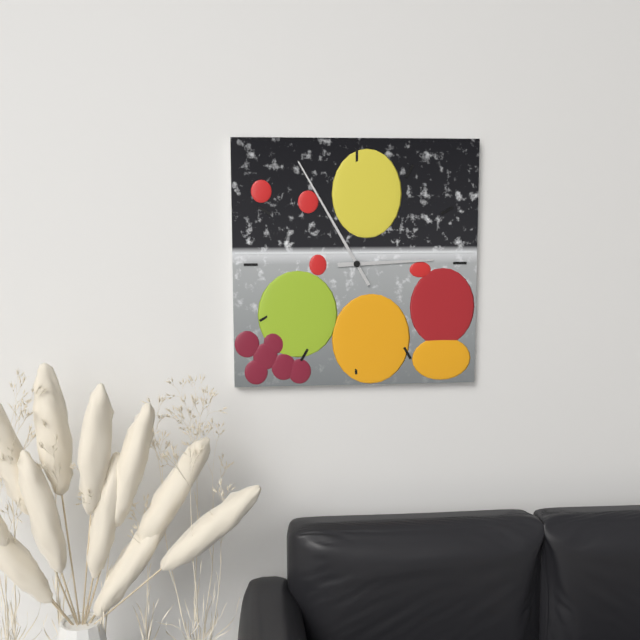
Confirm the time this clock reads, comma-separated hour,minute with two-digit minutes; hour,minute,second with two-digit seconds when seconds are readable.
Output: 2,55
